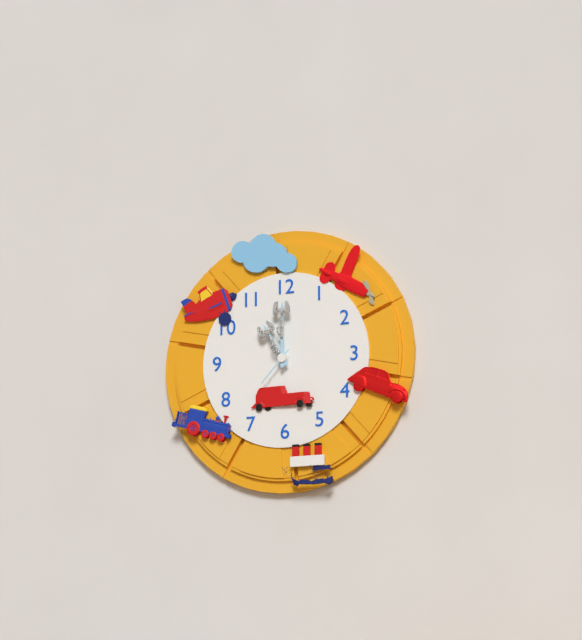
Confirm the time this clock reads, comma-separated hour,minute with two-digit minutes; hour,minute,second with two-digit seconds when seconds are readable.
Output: 11,00
